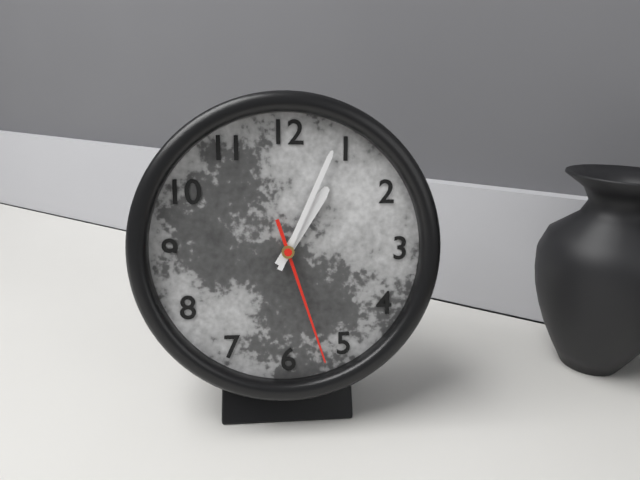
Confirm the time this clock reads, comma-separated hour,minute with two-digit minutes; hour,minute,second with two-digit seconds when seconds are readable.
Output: 1,04,27
